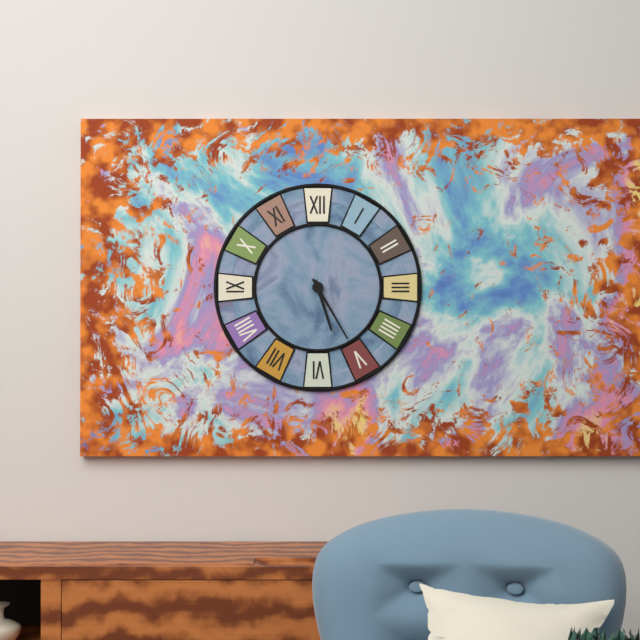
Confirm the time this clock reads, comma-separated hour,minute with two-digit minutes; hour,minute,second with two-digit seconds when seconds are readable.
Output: 5,25
